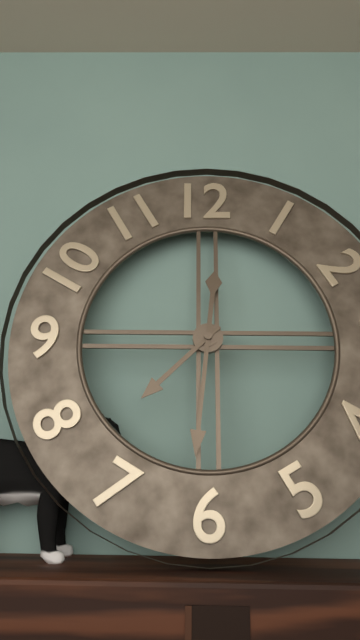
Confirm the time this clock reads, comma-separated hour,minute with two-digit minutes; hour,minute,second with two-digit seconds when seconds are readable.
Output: 7,31
